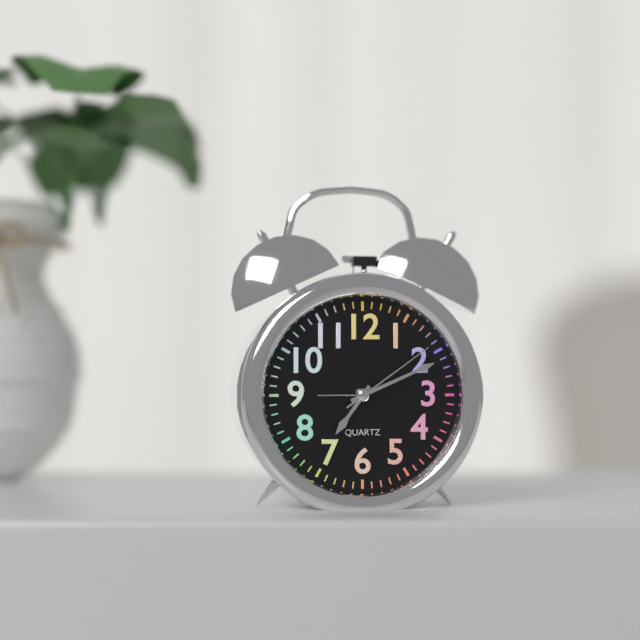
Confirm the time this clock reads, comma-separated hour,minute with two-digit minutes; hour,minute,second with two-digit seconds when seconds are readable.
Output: 7,11,09
